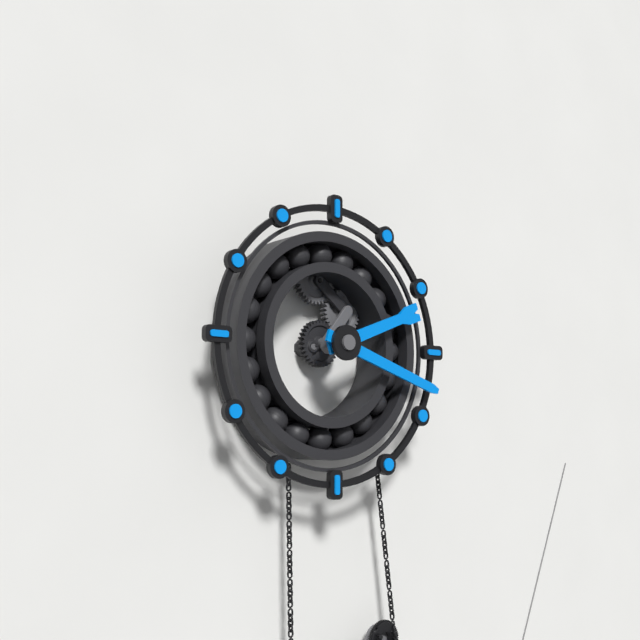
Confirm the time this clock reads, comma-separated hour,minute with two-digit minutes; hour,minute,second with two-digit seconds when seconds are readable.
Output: 2,18
